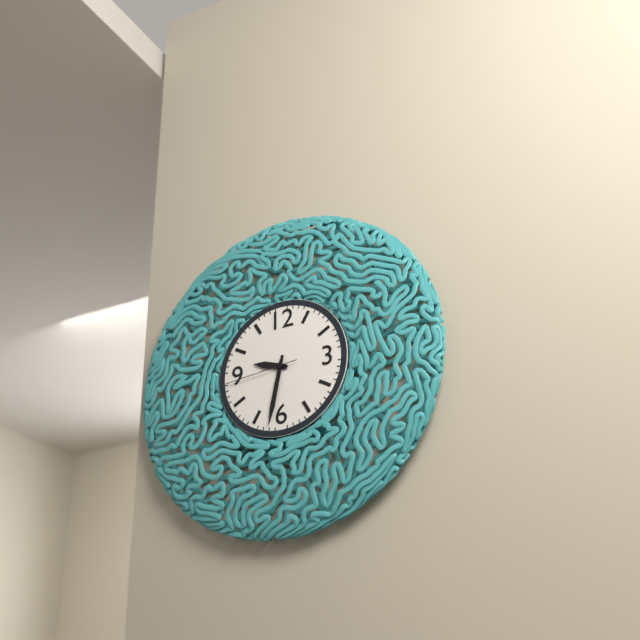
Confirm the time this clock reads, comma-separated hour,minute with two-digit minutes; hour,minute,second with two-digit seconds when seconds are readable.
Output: 9,32,44
